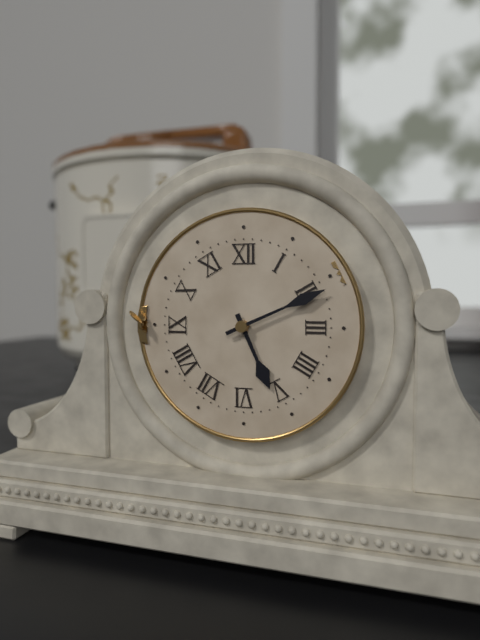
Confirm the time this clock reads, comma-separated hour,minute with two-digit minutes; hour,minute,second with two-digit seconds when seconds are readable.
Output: 5,11
